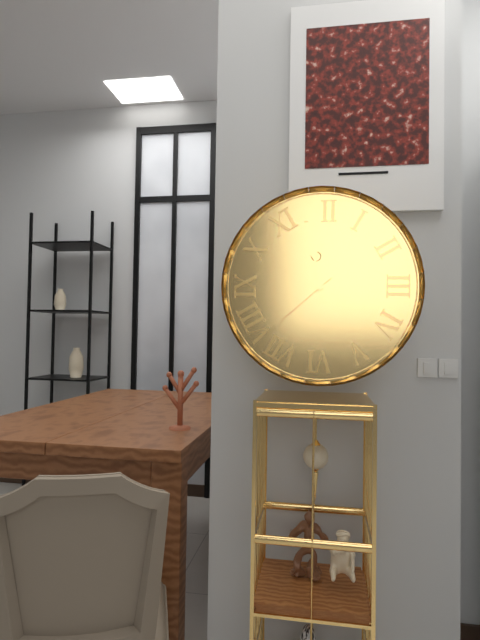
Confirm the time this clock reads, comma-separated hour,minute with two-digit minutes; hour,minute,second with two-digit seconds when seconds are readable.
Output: 11,38
